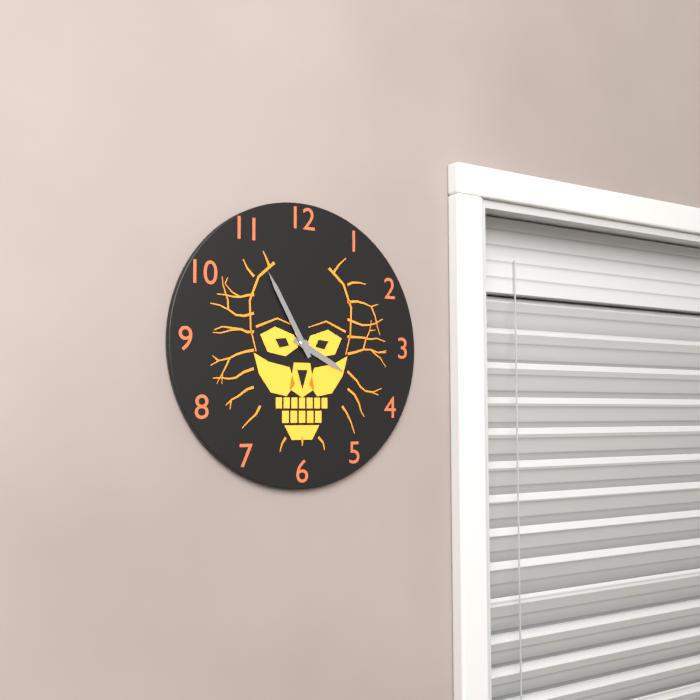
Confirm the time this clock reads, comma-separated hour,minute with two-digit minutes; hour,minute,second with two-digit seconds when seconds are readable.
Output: 3,55
